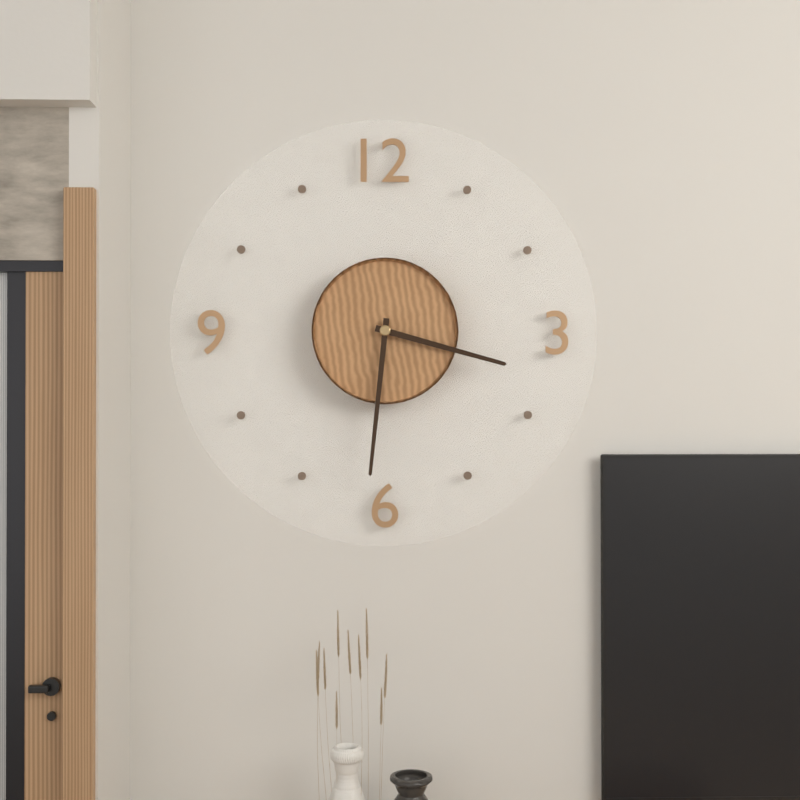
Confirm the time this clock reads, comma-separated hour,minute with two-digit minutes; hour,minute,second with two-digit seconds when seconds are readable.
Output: 3,31
